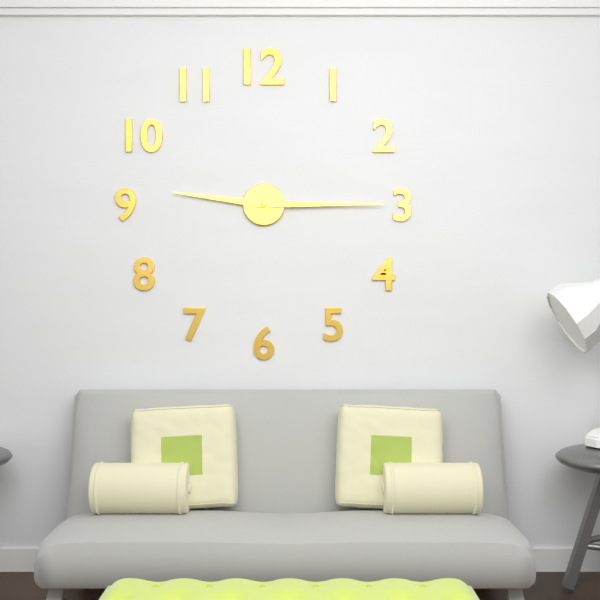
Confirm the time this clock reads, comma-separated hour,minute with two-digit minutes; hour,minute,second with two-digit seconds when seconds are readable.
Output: 9,15
